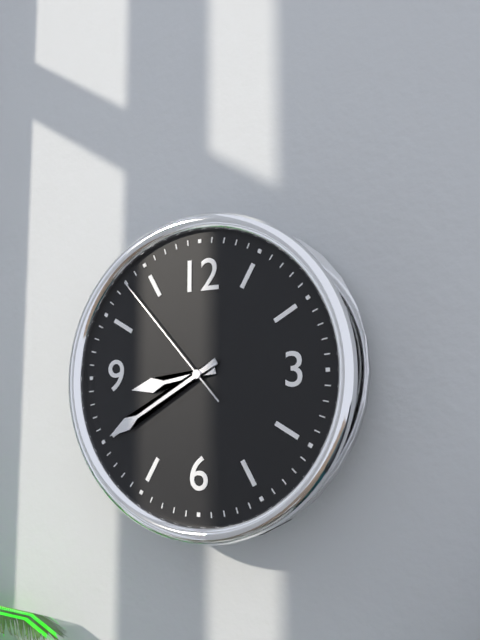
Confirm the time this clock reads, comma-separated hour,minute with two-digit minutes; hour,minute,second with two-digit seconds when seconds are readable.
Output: 8,40,53
